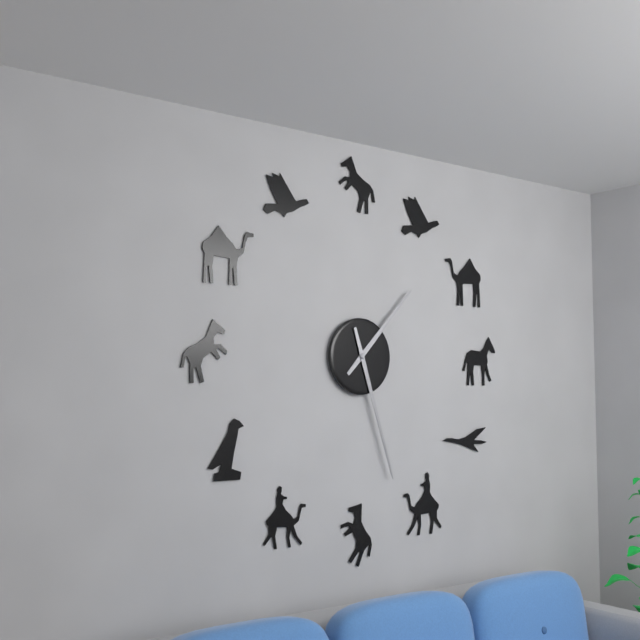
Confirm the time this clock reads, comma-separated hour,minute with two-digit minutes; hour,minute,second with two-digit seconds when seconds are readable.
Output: 1,27
